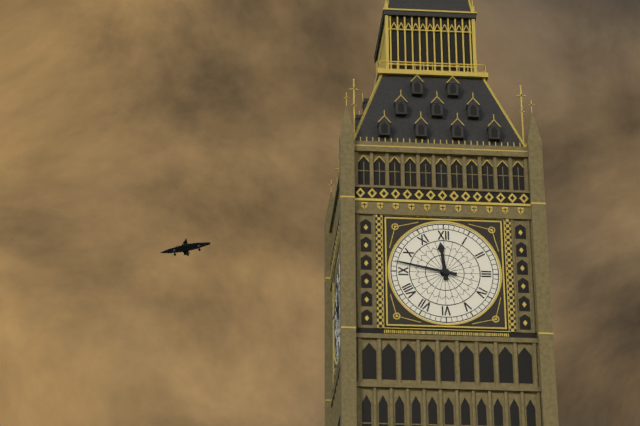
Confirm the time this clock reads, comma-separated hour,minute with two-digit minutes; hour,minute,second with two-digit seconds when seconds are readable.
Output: 11,47
